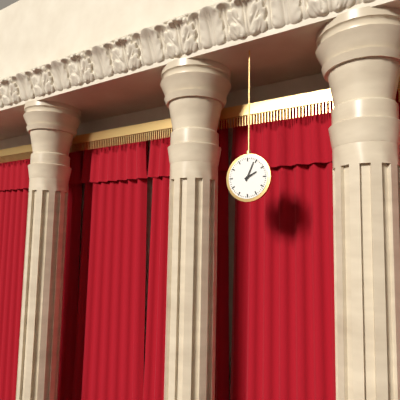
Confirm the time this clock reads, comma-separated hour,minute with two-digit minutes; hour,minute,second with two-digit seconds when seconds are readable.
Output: 2,04
